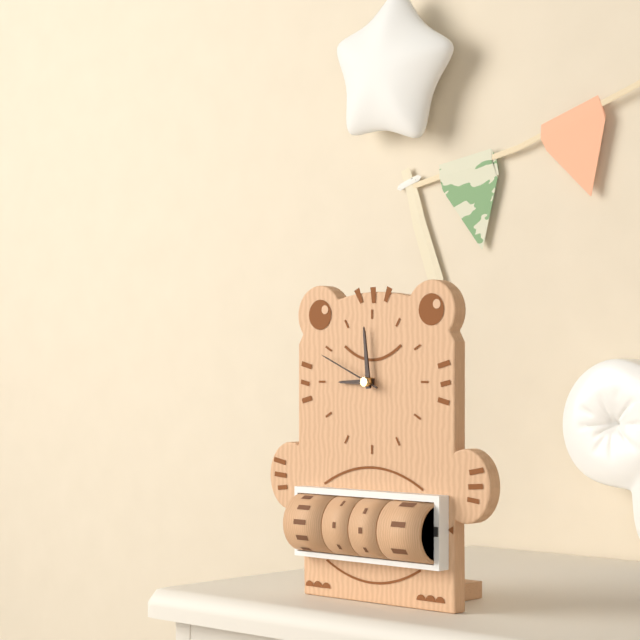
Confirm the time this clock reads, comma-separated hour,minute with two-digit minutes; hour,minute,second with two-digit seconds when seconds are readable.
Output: 8,59,49
